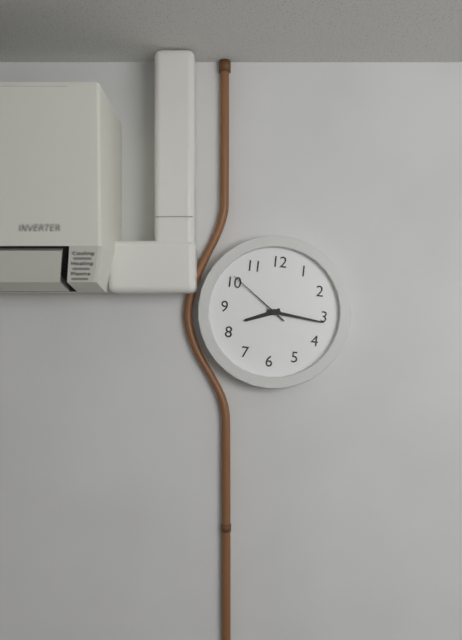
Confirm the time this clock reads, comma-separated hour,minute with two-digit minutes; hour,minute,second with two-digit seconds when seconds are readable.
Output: 8,16,51
